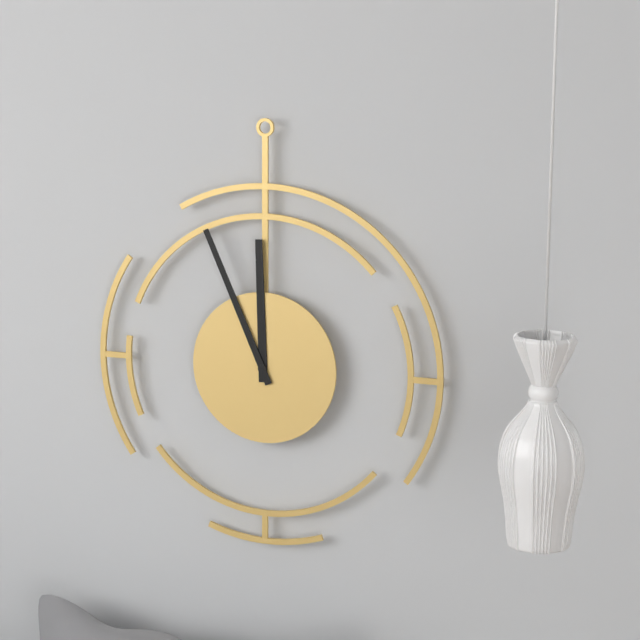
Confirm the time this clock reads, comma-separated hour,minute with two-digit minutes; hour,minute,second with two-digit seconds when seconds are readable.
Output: 11,56
